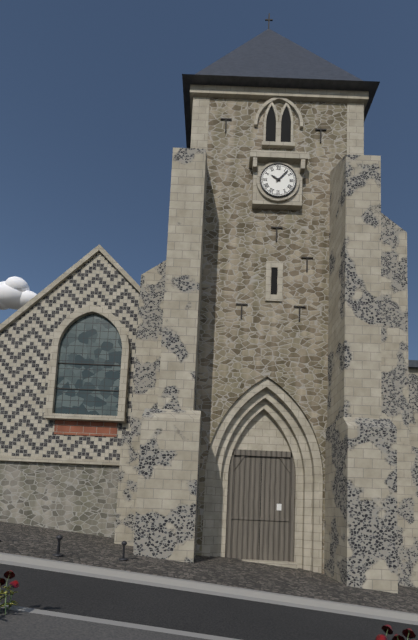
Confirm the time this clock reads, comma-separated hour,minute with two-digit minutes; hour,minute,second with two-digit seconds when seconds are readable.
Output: 10,07
